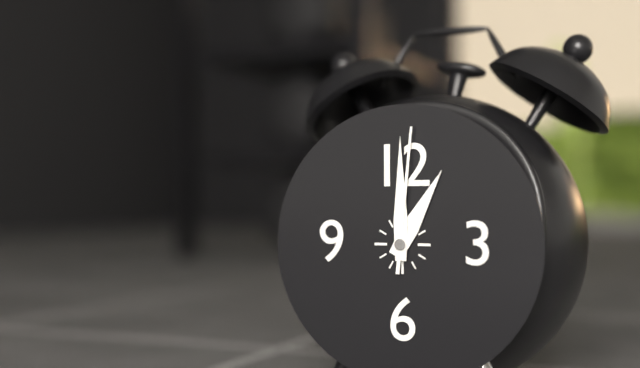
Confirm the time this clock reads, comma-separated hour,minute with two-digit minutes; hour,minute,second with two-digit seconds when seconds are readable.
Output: 1,00,01
